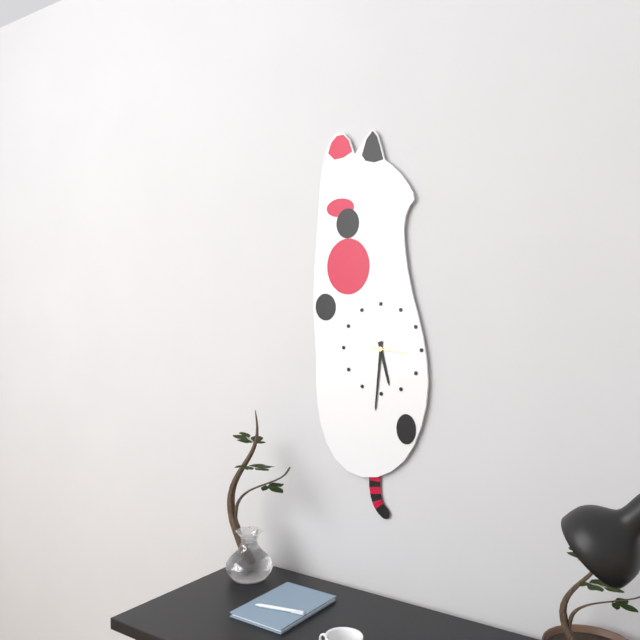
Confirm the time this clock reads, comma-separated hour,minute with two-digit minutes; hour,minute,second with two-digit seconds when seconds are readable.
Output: 5,31
